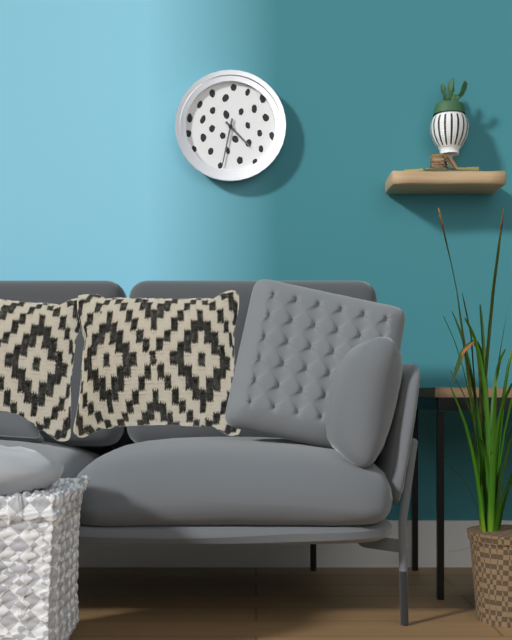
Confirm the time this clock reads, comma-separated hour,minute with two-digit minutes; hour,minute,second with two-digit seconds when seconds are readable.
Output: 4,32
